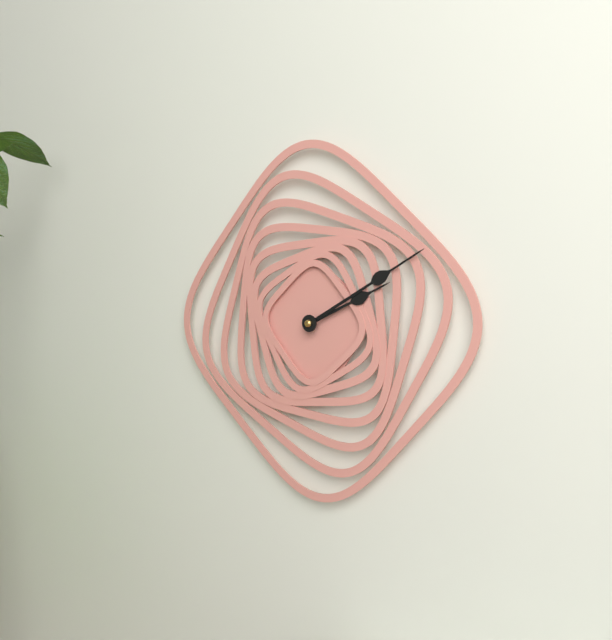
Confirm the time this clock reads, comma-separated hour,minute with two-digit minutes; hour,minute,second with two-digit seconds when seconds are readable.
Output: 2,10
